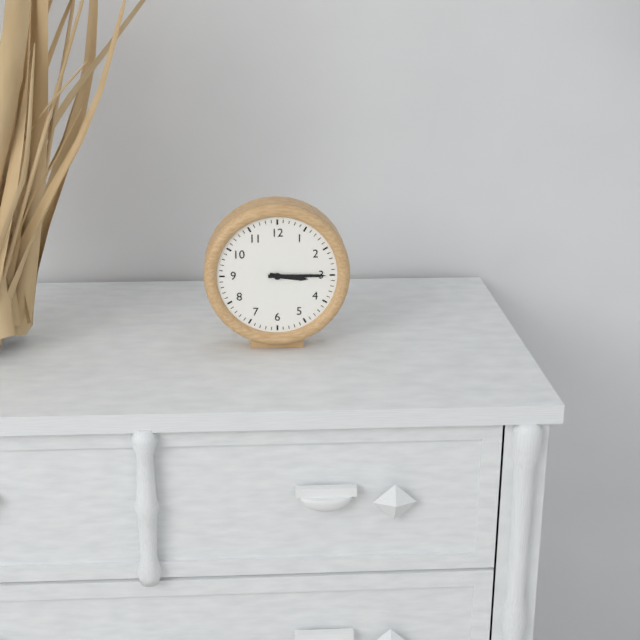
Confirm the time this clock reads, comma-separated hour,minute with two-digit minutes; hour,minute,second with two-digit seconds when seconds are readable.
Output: 3,15
